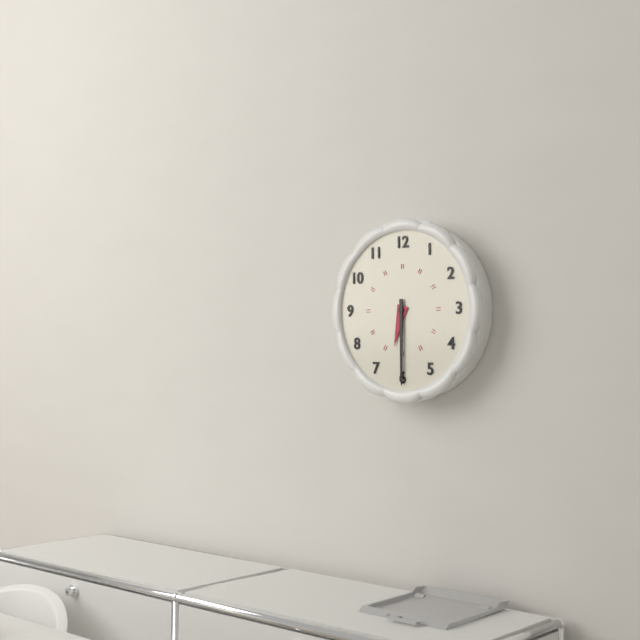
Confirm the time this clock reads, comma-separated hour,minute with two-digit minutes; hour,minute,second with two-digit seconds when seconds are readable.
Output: 6,30
